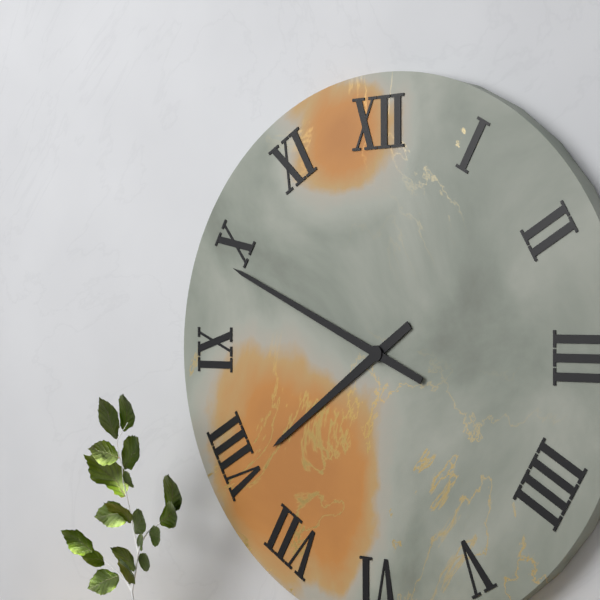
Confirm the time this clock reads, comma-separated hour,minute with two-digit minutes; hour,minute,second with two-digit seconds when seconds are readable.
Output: 7,49
